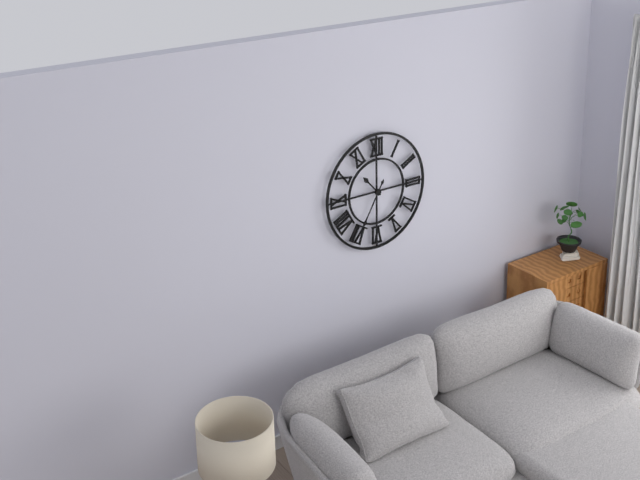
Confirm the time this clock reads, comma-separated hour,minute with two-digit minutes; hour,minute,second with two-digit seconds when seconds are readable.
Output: 10,35
